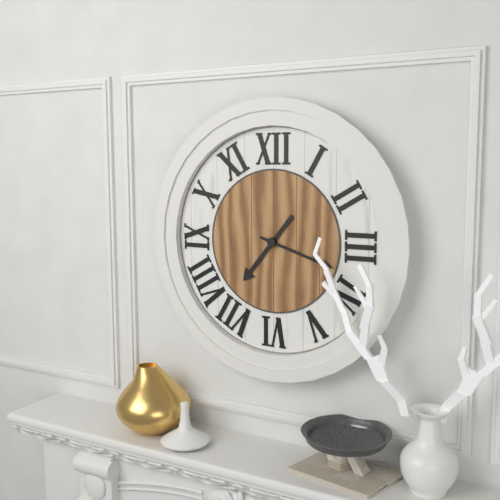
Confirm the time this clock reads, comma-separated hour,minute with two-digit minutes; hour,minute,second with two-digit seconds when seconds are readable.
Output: 7,18
